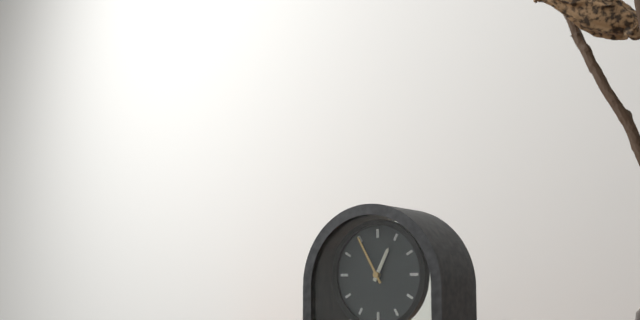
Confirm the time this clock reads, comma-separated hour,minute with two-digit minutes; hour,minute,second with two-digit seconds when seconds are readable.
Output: 12,55
